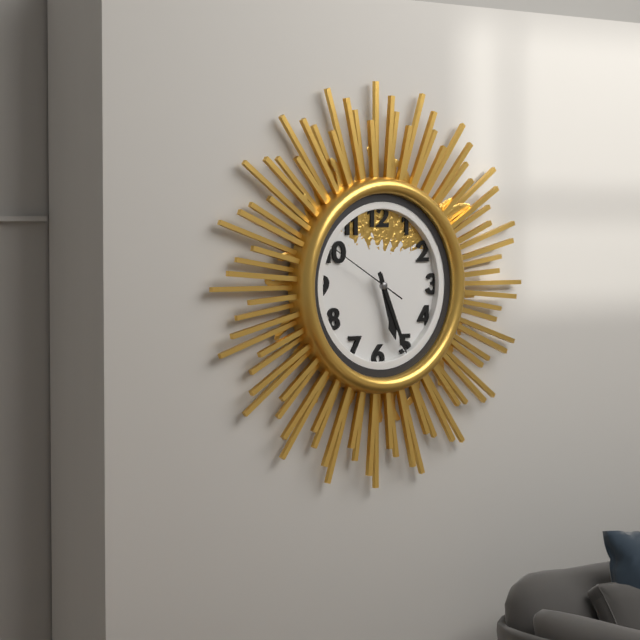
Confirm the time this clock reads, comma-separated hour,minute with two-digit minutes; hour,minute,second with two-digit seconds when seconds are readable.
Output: 5,26,50
